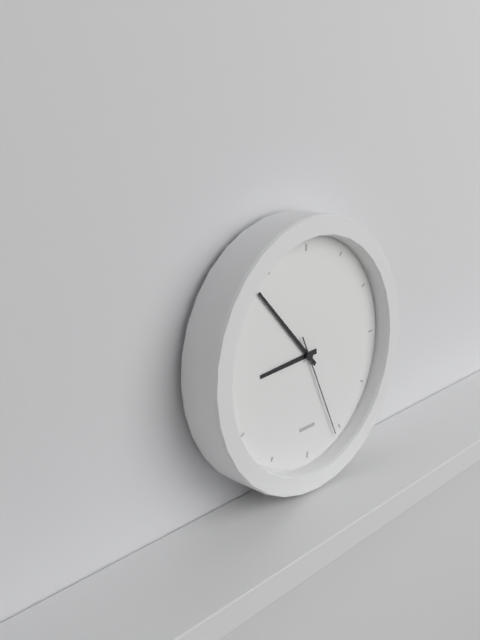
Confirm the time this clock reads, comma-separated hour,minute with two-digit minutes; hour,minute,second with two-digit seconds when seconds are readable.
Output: 8,53,26
